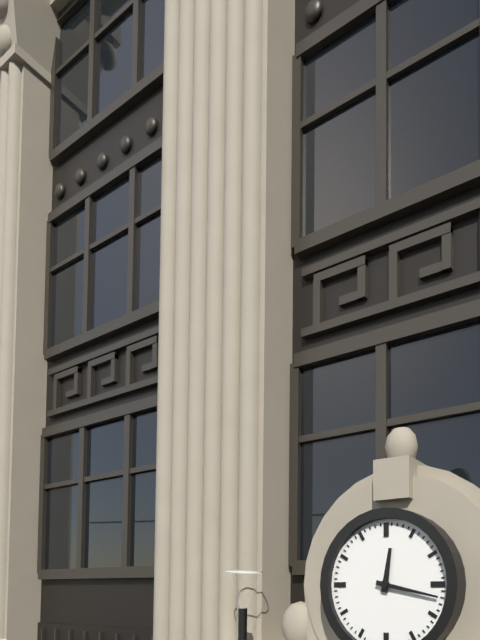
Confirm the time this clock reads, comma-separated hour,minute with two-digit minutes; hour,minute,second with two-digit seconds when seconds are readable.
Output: 12,17
